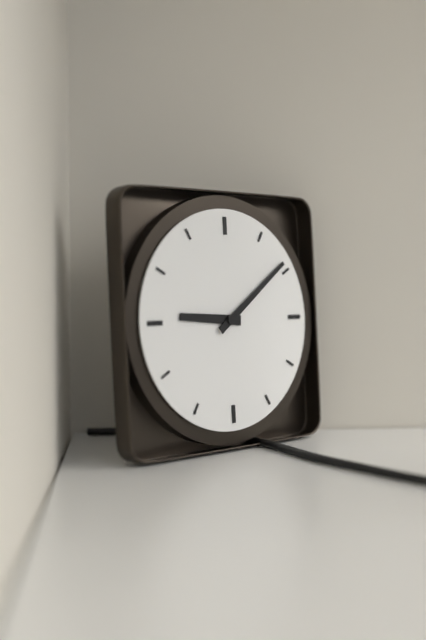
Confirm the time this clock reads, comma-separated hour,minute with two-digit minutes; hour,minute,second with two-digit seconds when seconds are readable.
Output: 9,09
